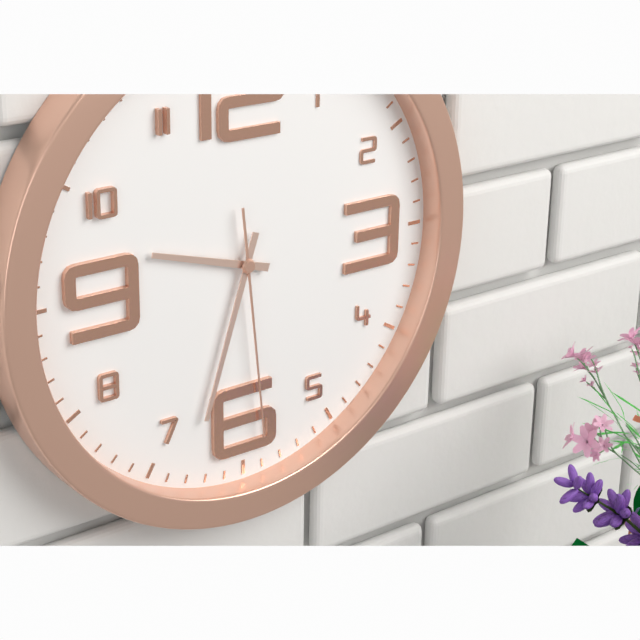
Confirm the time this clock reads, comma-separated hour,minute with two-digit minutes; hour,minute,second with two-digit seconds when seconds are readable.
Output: 9,33,29
